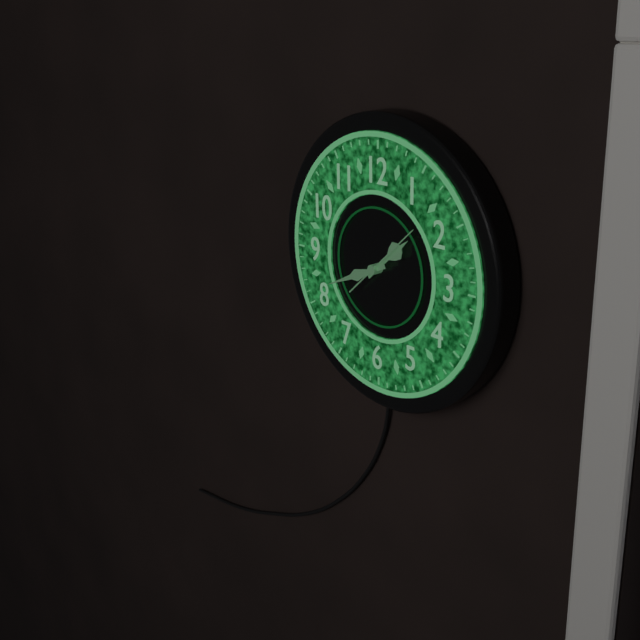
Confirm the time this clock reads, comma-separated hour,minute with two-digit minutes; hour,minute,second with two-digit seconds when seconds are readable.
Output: 1,41
